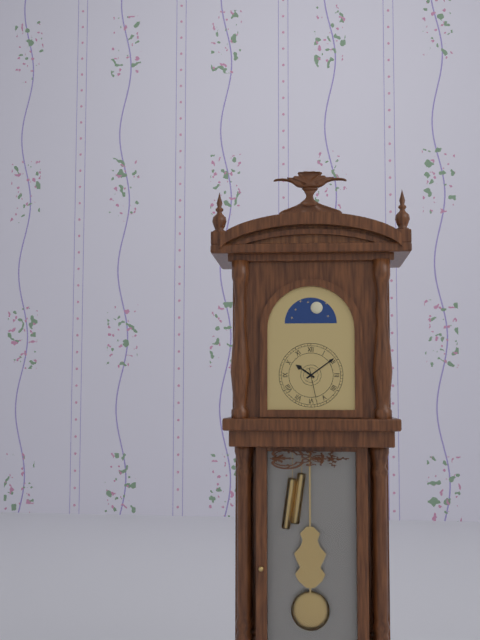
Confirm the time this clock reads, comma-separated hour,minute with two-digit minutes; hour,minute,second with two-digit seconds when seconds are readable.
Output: 10,09
